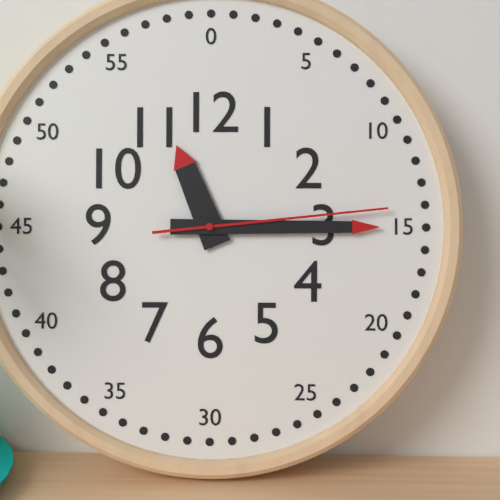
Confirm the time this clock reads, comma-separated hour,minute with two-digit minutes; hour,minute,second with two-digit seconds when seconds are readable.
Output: 11,15,14
